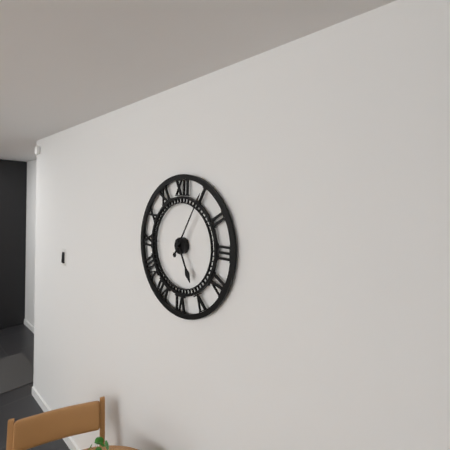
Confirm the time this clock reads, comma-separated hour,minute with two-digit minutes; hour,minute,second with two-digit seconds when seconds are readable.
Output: 5,05
